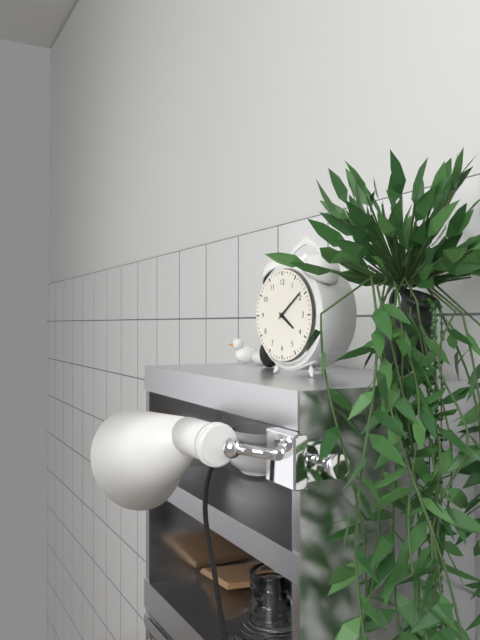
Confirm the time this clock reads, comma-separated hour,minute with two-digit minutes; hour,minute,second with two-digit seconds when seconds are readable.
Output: 4,09
